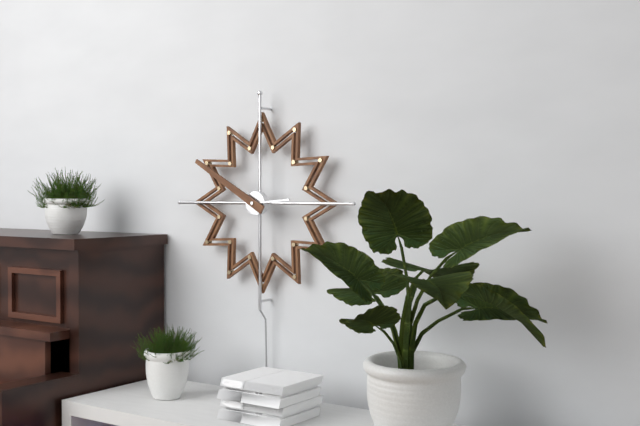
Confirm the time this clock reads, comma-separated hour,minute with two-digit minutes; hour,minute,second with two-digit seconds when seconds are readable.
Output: 2,50
